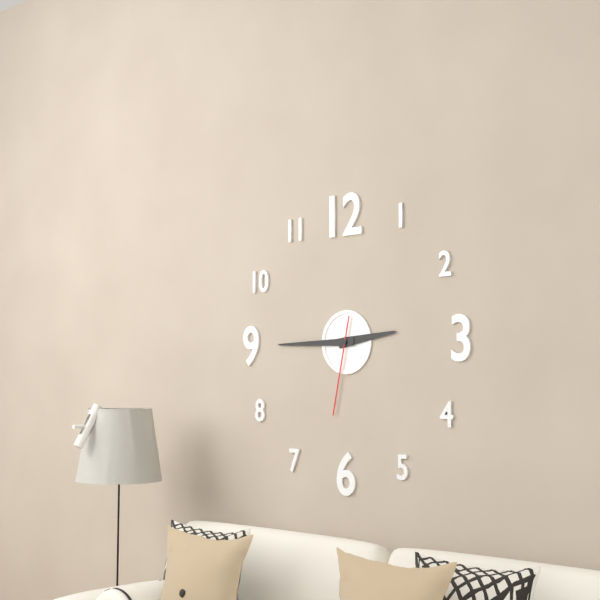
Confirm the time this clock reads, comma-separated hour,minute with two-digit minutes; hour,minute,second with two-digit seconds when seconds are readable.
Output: 2,45,32
